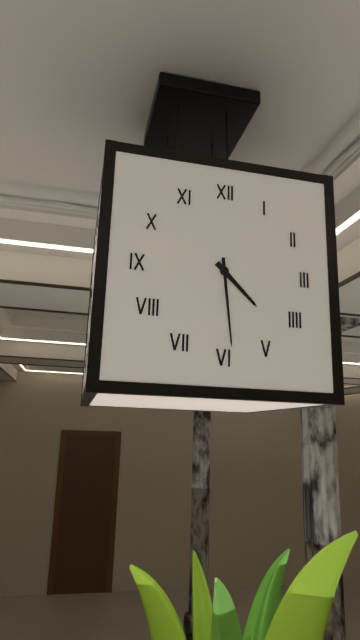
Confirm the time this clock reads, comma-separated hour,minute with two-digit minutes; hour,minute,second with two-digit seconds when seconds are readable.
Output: 4,29
